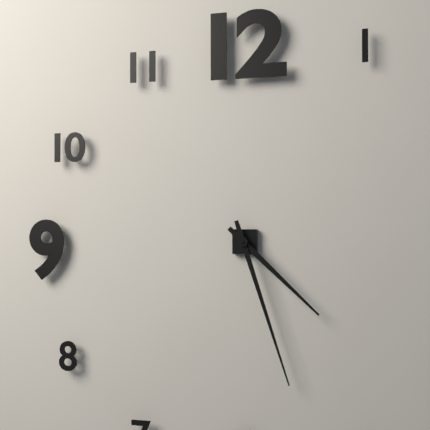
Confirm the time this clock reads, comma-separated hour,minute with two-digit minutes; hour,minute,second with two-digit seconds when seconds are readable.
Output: 4,27
